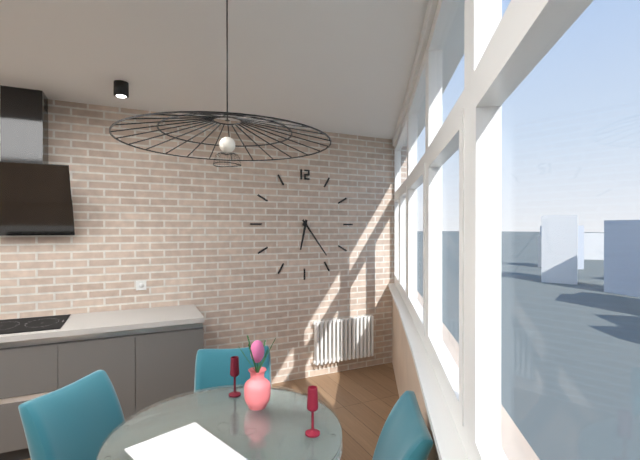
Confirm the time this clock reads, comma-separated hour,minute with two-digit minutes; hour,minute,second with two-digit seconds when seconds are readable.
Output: 6,24
